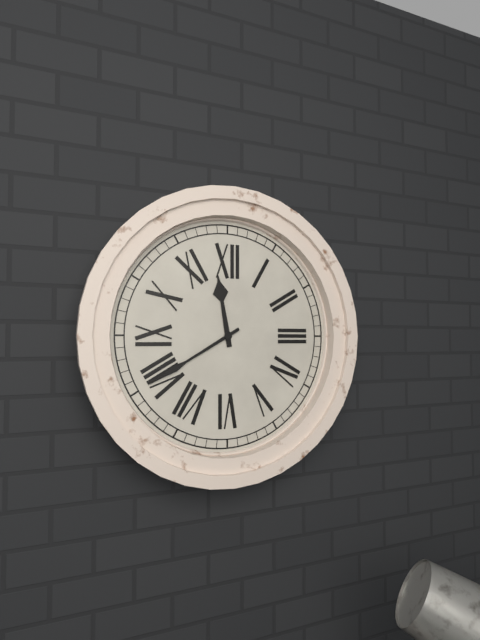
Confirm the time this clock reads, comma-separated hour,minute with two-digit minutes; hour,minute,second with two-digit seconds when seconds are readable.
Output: 11,40
